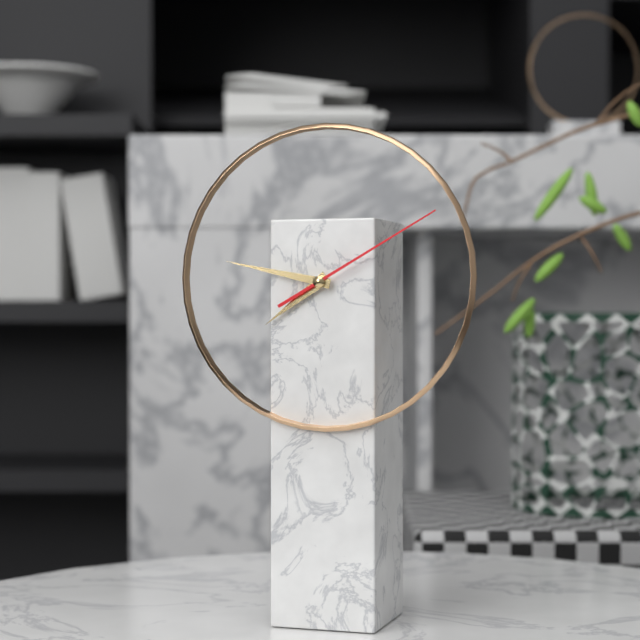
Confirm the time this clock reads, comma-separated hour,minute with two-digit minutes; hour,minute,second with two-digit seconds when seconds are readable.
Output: 7,47,10
